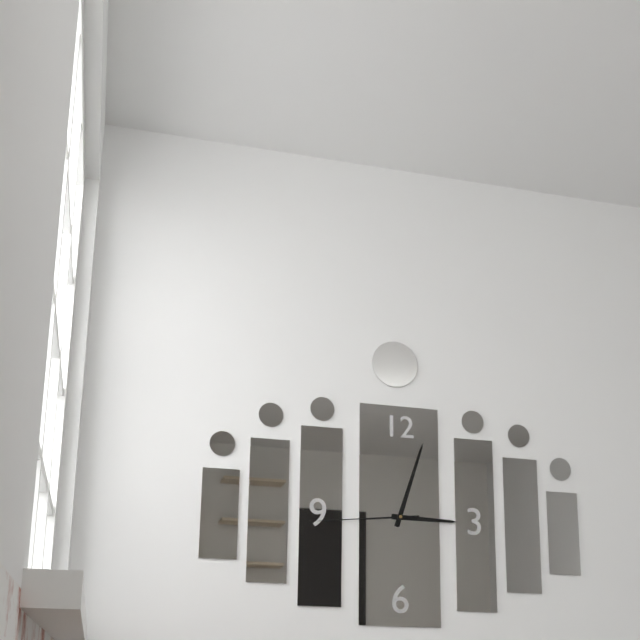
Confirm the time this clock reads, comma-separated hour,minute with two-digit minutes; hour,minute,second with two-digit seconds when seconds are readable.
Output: 3,03,44
